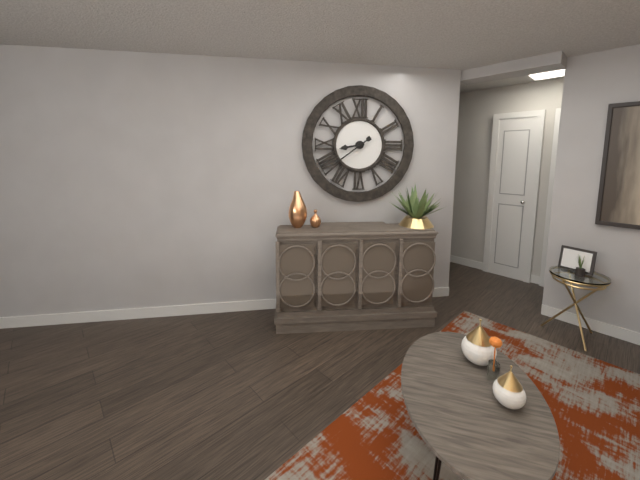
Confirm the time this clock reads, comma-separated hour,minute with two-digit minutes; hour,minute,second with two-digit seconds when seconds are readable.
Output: 8,39
